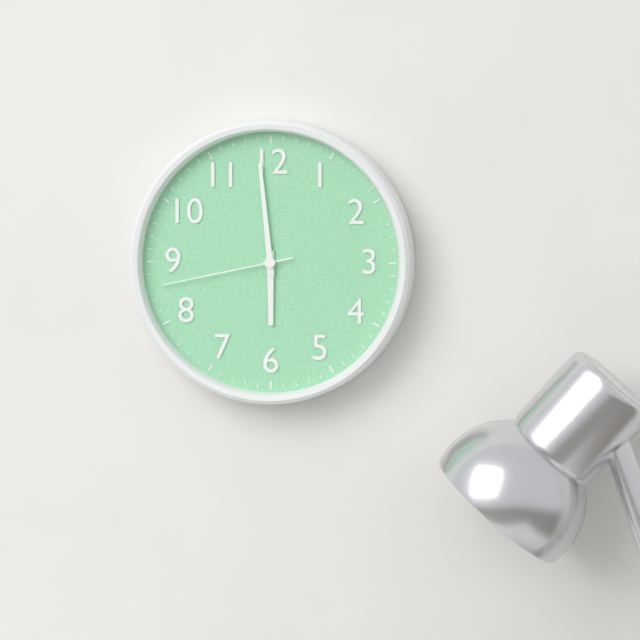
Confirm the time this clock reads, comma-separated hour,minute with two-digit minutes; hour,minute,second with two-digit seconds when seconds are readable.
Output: 5,59,43
